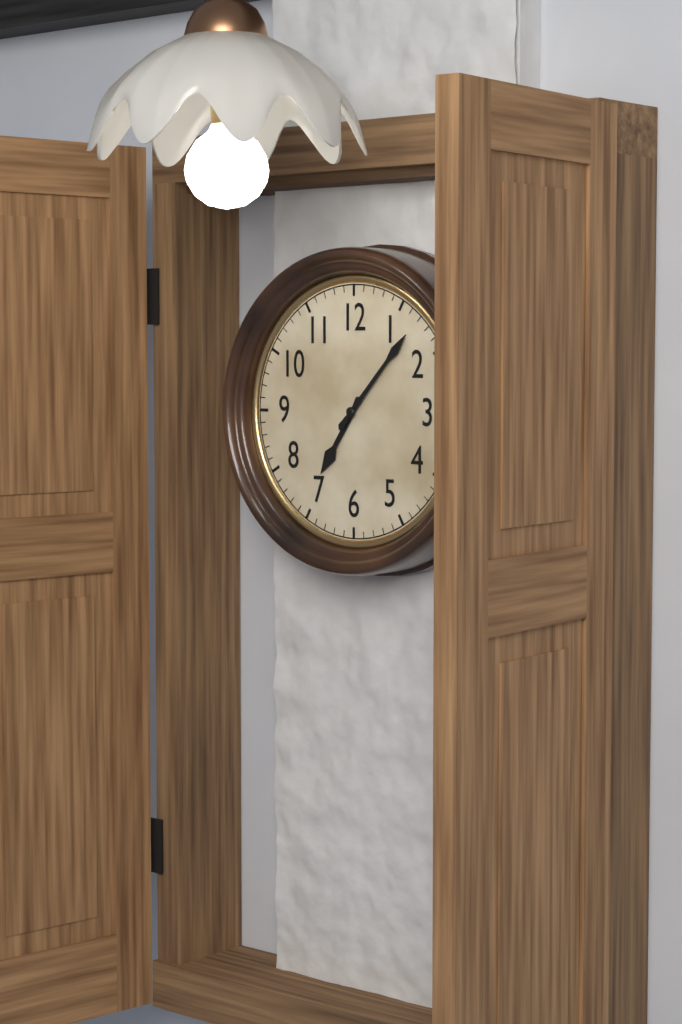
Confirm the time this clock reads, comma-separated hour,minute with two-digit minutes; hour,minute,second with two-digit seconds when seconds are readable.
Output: 7,07
